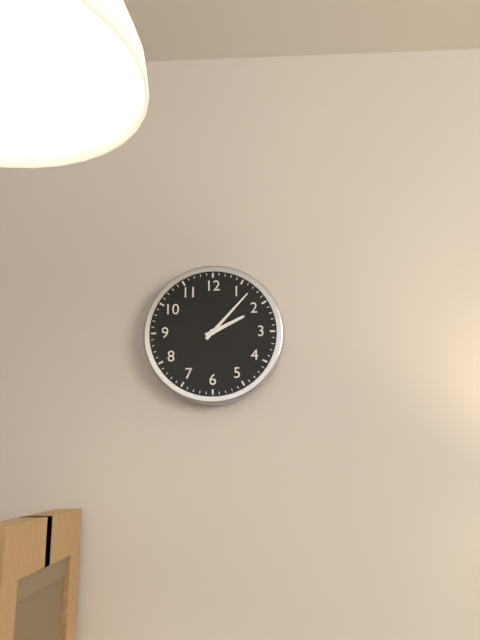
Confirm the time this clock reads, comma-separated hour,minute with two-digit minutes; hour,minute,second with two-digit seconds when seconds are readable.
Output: 2,07
